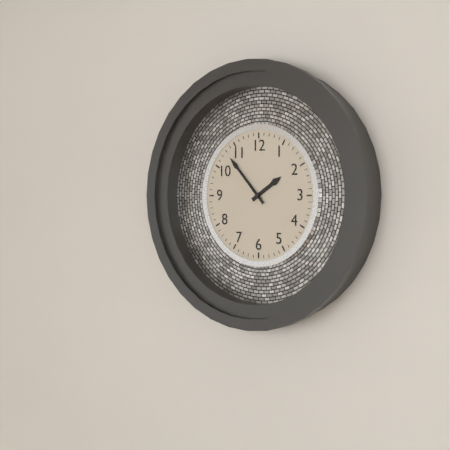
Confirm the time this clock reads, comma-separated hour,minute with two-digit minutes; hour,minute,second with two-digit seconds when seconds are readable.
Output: 1,53
